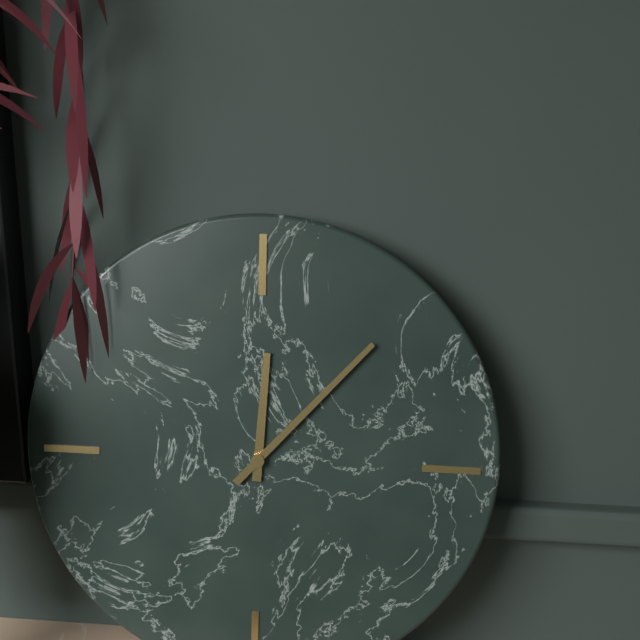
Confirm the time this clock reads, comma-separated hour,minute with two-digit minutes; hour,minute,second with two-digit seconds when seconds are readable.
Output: 12,07
